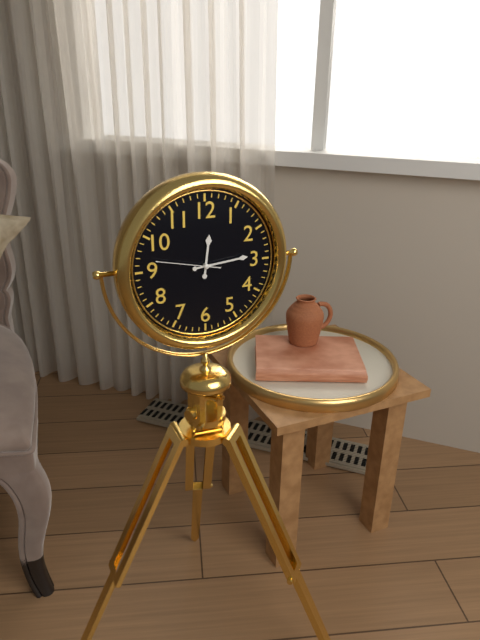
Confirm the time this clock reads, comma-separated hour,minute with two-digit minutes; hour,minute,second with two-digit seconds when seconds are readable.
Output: 12,14,47
